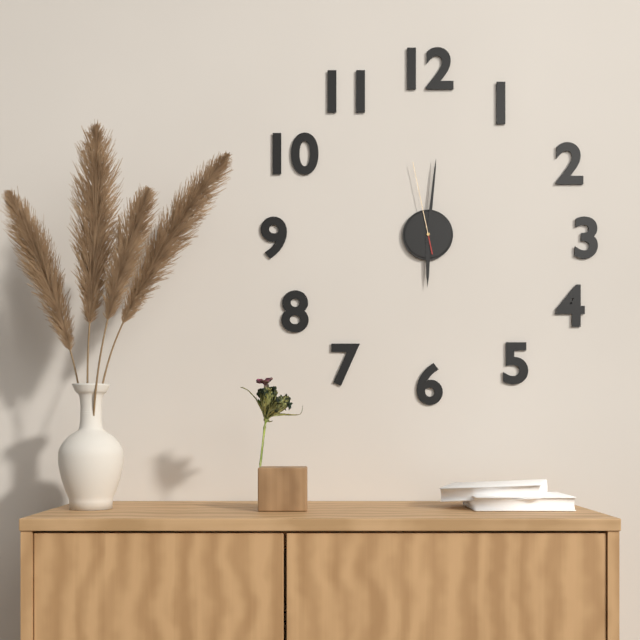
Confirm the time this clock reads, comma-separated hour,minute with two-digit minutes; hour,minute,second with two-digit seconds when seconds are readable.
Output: 6,01,58
